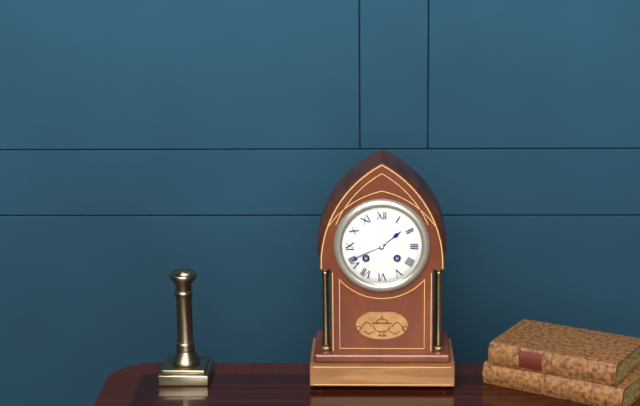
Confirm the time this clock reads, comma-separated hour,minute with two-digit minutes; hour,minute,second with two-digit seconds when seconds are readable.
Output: 1,41
